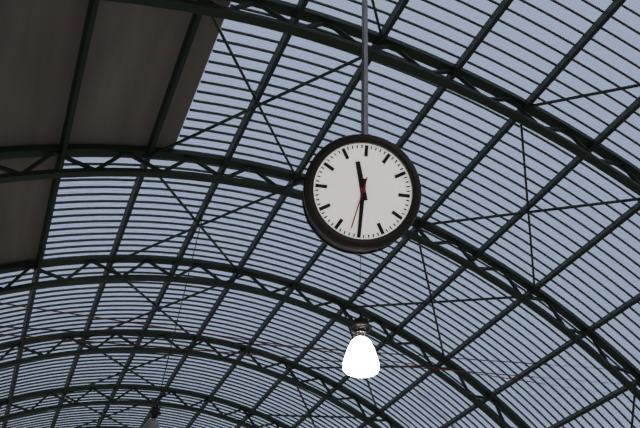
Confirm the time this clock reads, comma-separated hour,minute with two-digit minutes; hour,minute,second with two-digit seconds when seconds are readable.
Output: 11,30
